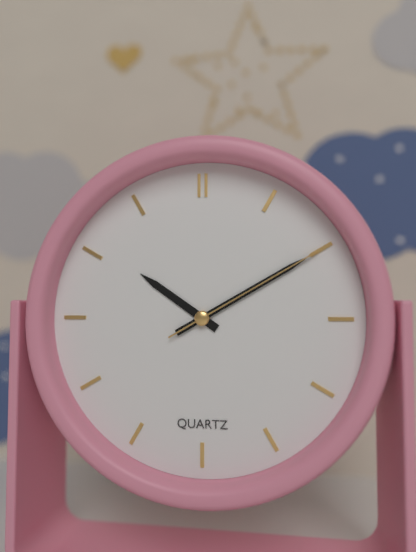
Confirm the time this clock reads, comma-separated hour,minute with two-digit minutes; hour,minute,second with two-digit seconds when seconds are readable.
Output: 10,10,10
